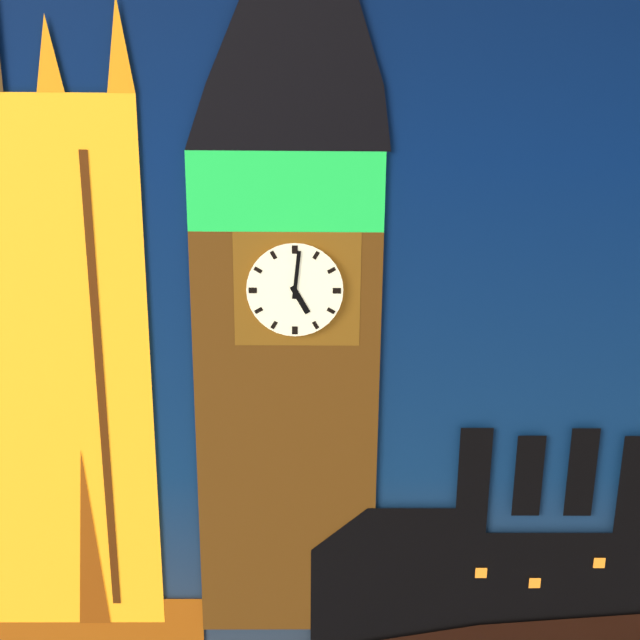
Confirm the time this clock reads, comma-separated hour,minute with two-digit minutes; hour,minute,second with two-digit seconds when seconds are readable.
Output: 5,01
